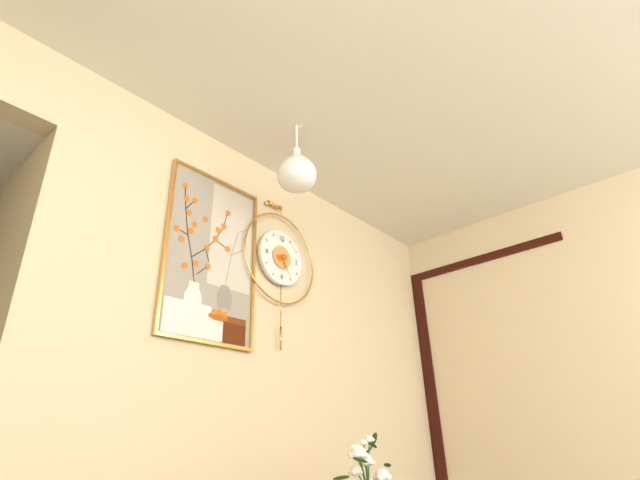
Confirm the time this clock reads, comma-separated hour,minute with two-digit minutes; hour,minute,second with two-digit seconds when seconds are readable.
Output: 5,25
